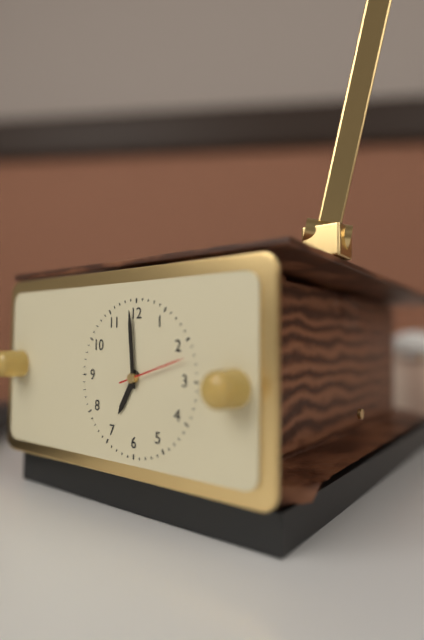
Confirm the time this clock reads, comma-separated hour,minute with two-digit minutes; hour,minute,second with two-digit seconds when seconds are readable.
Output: 6,59,12
